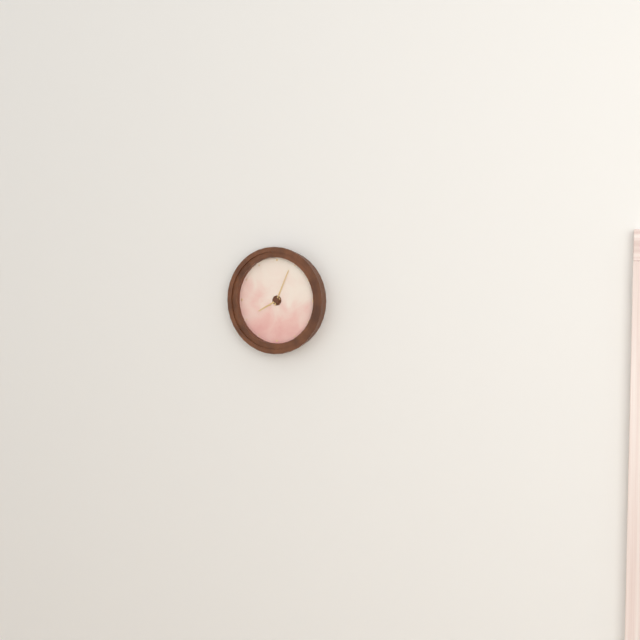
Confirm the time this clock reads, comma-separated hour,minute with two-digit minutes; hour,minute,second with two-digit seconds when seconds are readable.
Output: 8,04
